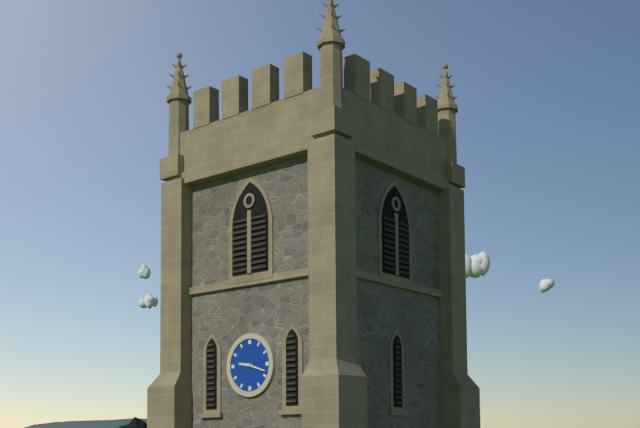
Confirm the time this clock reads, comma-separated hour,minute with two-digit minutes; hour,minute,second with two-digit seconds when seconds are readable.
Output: 9,18
